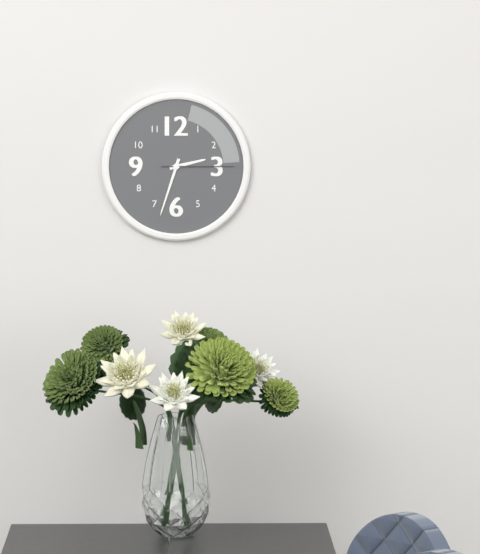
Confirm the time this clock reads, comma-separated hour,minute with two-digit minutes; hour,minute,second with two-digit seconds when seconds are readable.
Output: 2,33,15
